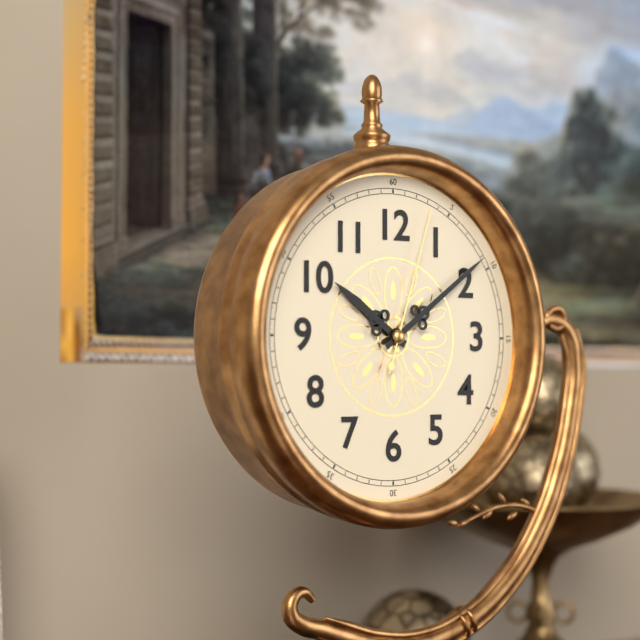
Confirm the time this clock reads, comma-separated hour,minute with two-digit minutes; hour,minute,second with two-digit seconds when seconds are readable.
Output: 10,09,03
